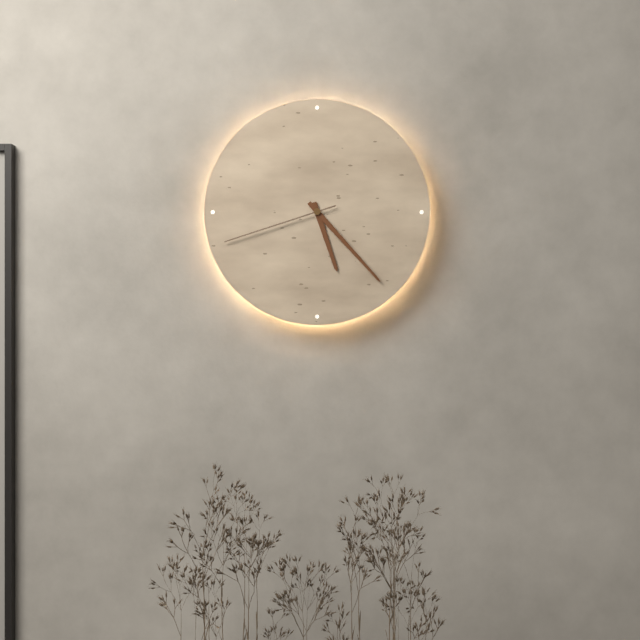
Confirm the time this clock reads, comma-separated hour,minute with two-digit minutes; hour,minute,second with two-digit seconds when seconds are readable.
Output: 5,23,42
